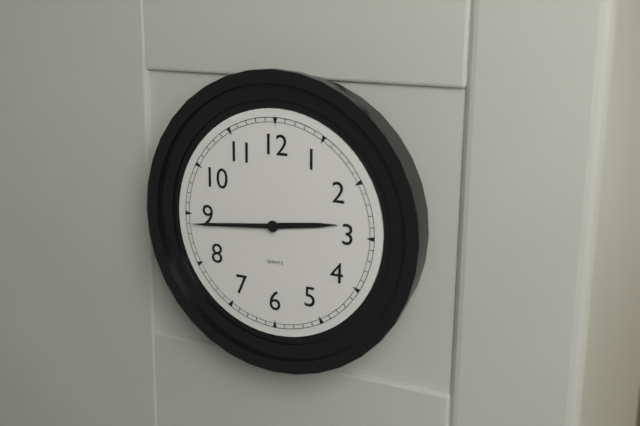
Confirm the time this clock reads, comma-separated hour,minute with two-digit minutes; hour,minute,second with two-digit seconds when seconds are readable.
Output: 2,44
